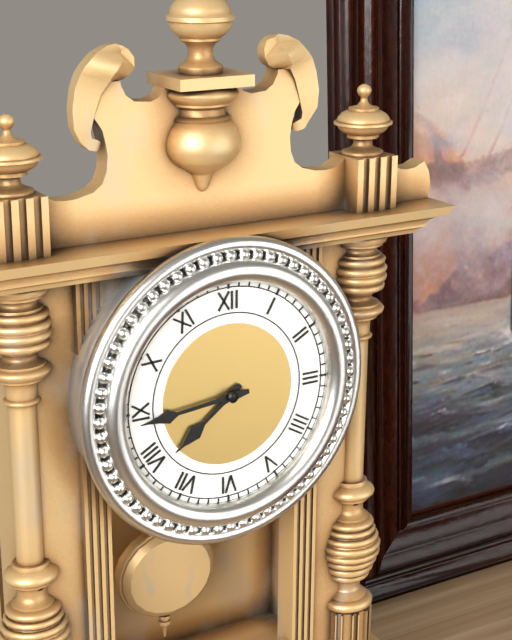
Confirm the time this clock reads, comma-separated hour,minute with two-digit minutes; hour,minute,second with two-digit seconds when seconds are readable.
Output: 7,44
